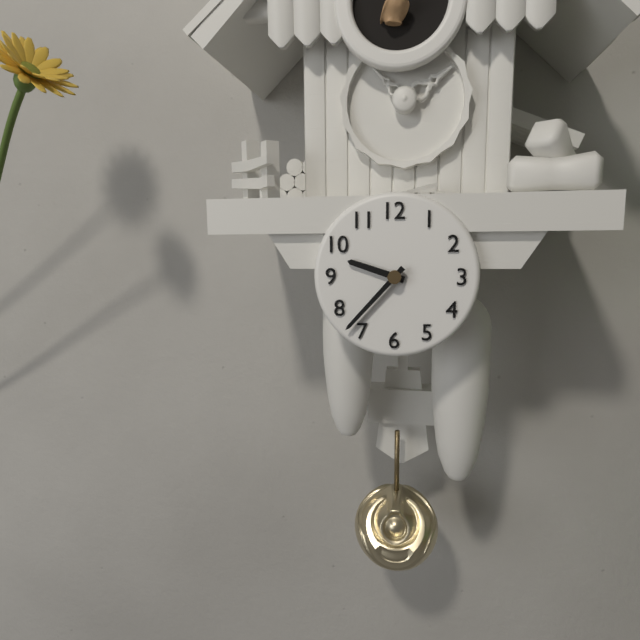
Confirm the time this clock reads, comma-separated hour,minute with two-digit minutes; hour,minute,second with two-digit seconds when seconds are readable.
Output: 9,37
